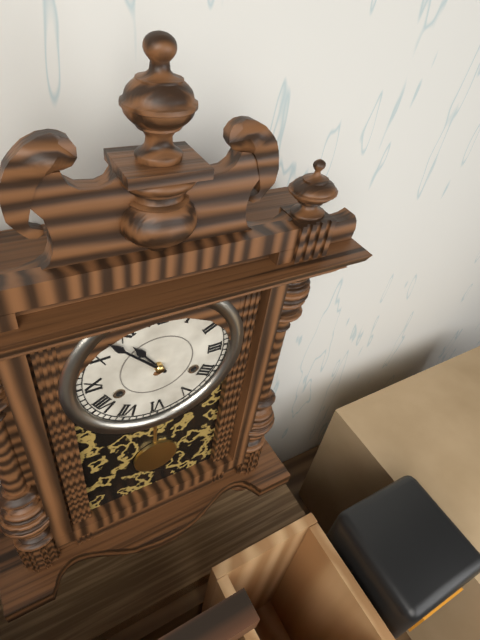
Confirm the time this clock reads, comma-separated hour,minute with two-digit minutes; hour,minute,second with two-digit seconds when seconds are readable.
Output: 10,53
